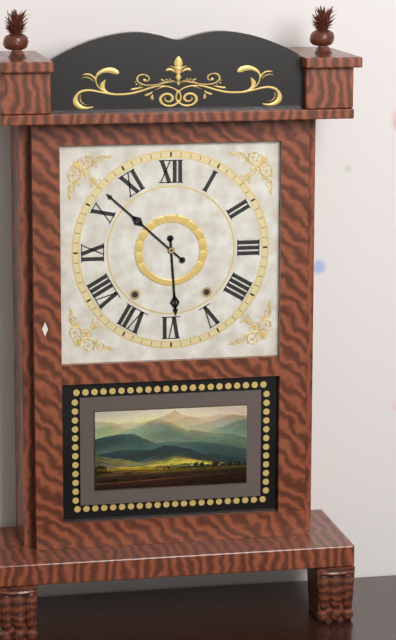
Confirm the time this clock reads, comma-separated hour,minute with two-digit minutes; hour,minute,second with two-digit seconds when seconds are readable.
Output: 5,52
